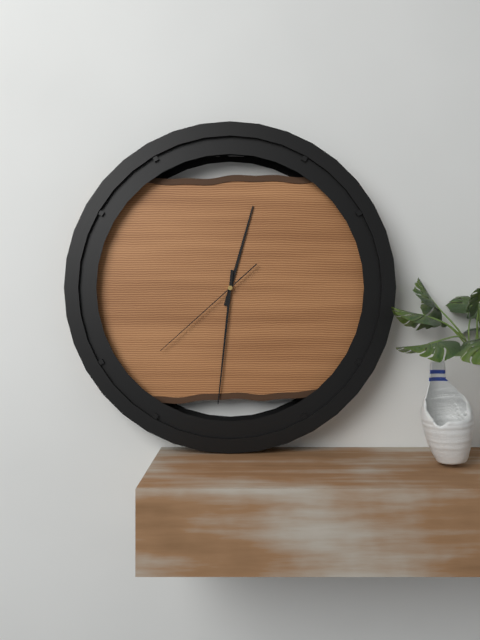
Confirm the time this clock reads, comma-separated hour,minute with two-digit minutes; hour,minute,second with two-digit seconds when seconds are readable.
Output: 12,31,38
